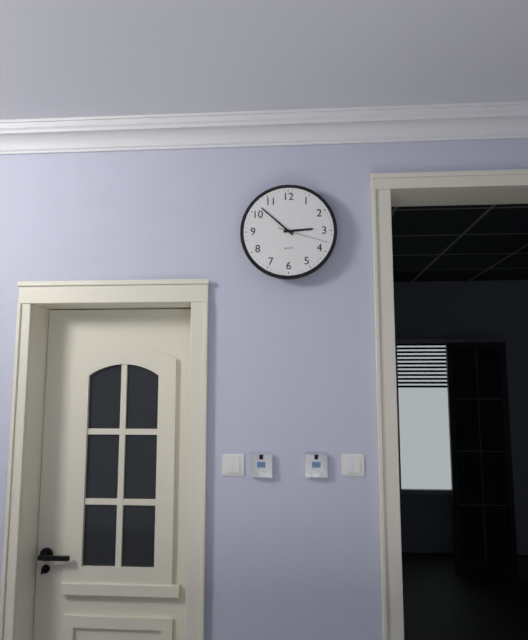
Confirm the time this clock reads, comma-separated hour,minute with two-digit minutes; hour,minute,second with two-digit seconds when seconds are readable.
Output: 2,52,18
